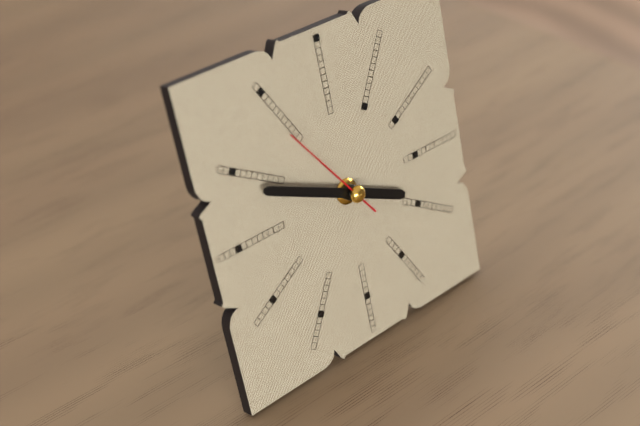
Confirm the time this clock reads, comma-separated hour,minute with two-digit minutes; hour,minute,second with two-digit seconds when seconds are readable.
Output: 3,49,54
